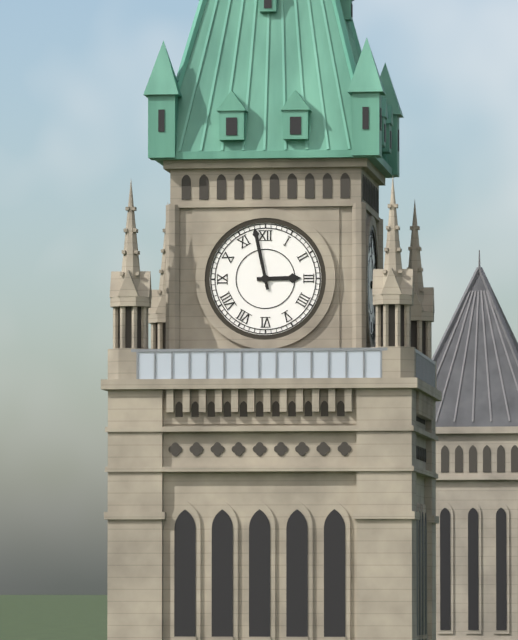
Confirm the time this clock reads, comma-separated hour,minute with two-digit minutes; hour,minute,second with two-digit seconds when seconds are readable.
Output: 2,58
